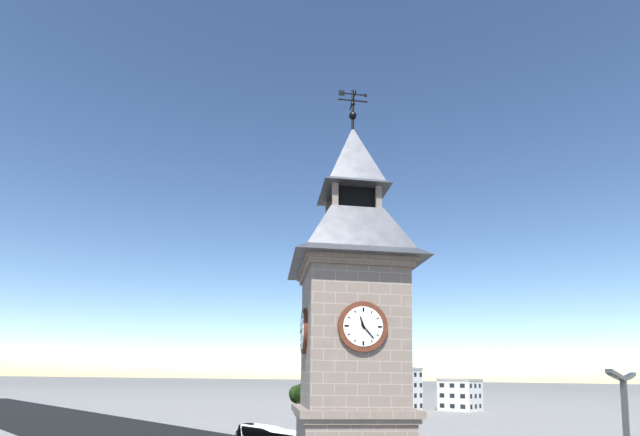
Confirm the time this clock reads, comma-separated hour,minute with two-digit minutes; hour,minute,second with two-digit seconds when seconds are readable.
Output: 11,23
